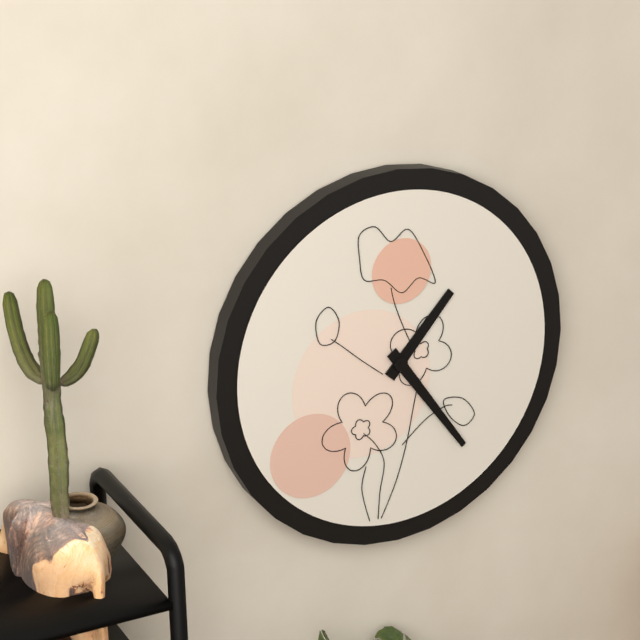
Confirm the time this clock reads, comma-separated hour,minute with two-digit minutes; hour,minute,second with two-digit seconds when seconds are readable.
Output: 1,24
